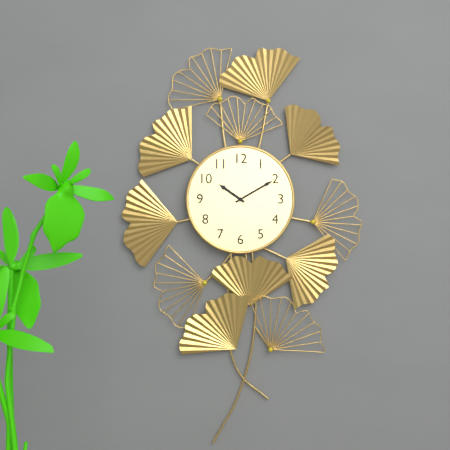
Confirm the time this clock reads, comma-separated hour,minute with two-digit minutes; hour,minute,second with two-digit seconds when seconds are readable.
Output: 10,10
